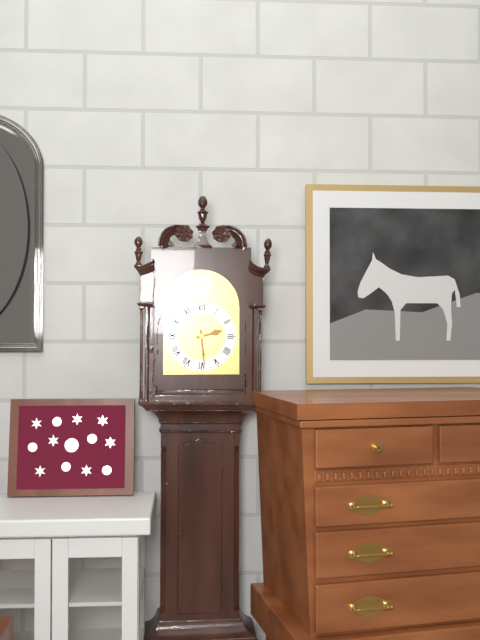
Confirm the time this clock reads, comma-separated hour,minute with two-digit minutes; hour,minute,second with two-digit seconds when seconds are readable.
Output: 2,29
